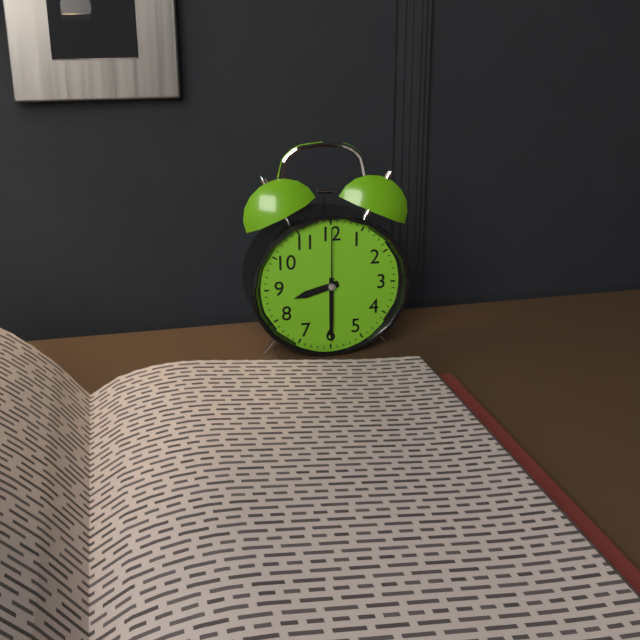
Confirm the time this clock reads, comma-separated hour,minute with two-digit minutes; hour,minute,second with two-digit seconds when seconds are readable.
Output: 8,30,00
